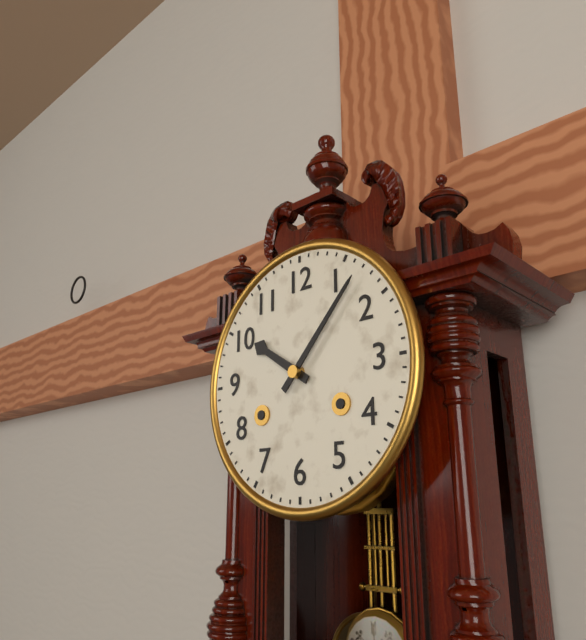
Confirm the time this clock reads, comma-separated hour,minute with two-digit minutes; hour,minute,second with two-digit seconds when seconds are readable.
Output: 10,07
